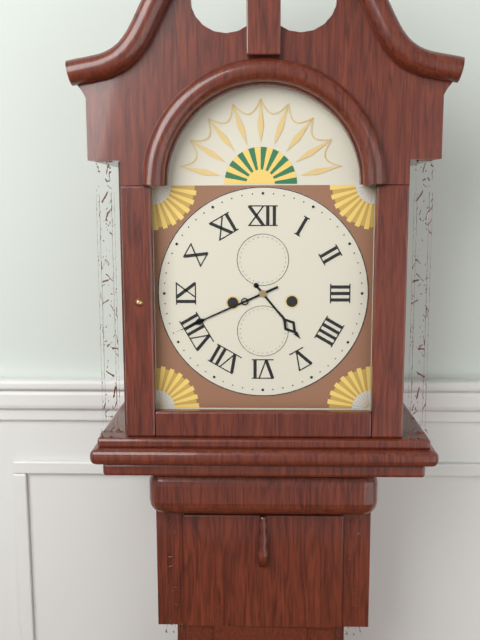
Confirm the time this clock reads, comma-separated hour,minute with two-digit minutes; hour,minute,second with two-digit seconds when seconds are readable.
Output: 4,41
